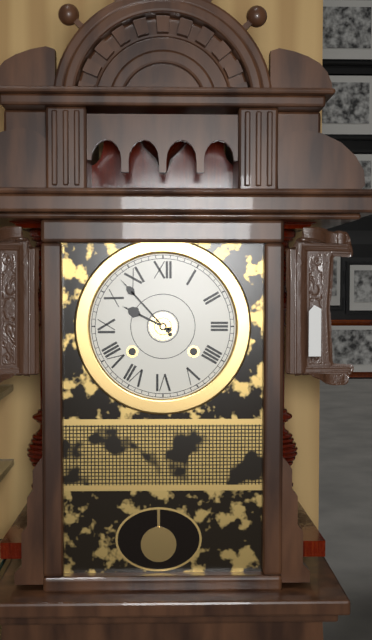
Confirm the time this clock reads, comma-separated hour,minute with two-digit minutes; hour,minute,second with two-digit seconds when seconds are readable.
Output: 9,53
